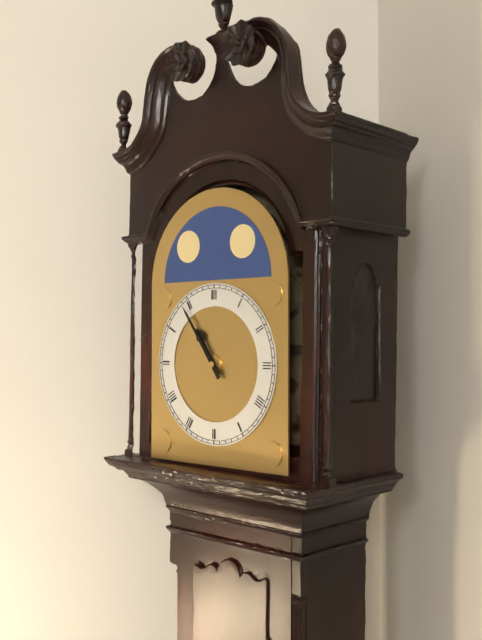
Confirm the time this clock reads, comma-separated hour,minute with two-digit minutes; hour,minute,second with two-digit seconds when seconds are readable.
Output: 10,54
